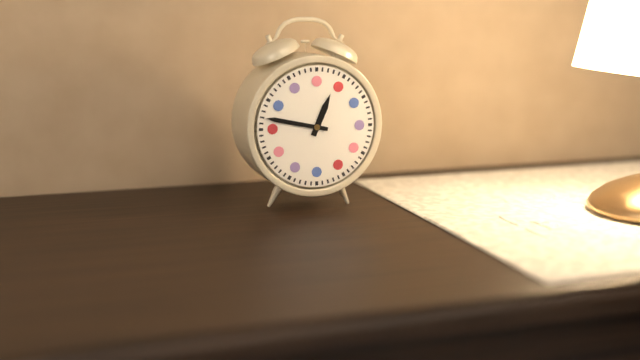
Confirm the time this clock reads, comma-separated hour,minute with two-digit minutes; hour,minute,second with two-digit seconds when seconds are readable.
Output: 12,47
